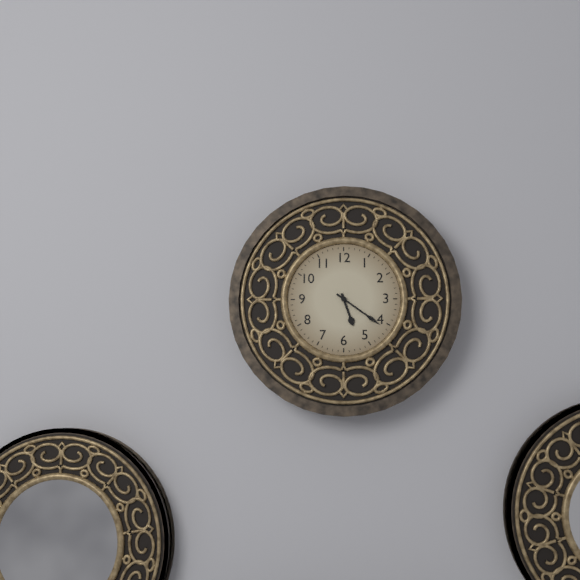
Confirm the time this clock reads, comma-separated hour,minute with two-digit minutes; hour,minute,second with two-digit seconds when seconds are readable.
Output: 5,21
